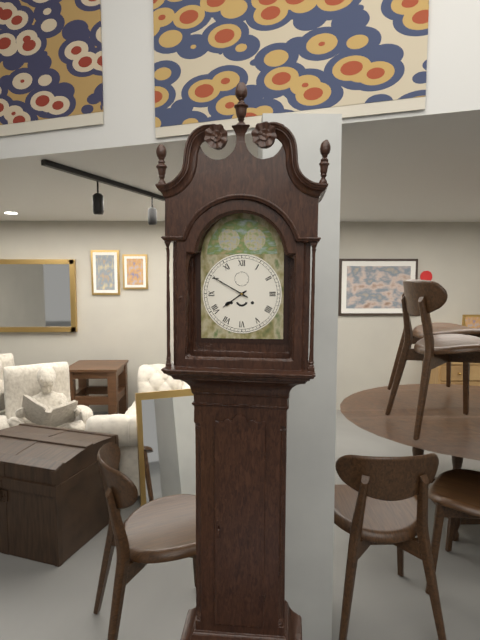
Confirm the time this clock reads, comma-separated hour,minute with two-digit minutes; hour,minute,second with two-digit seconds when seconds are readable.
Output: 7,50
